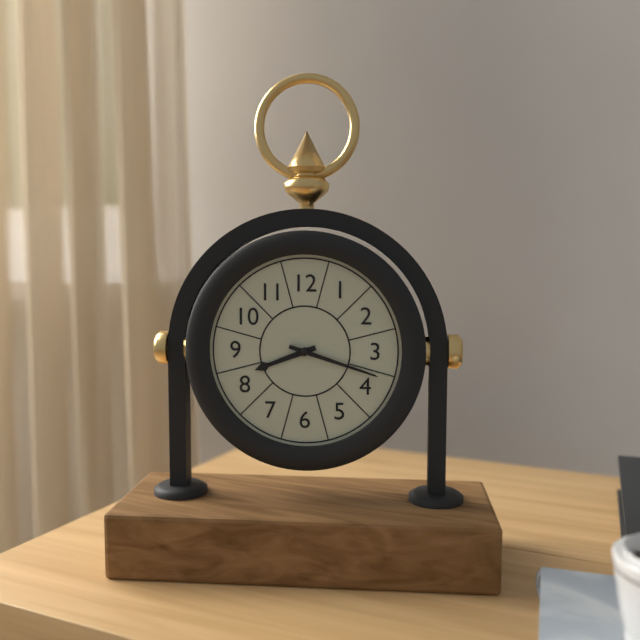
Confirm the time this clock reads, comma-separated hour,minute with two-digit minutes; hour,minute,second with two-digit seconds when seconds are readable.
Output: 8,18
